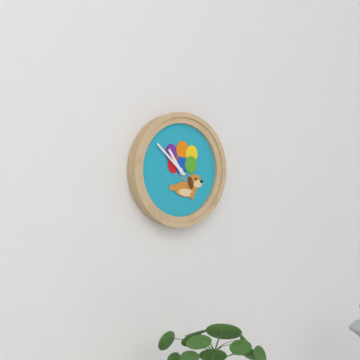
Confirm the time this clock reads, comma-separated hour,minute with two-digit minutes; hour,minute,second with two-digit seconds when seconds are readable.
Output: 10,52
